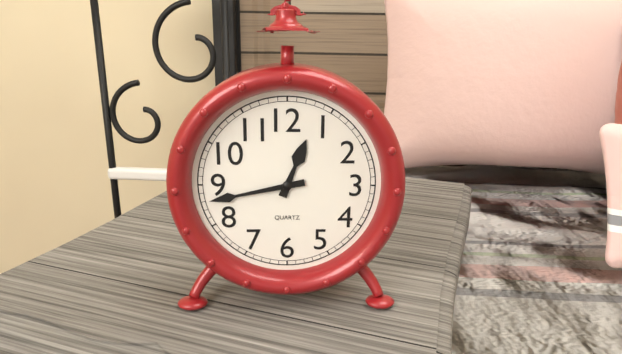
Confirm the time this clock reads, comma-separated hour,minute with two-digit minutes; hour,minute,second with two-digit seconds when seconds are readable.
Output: 12,43
